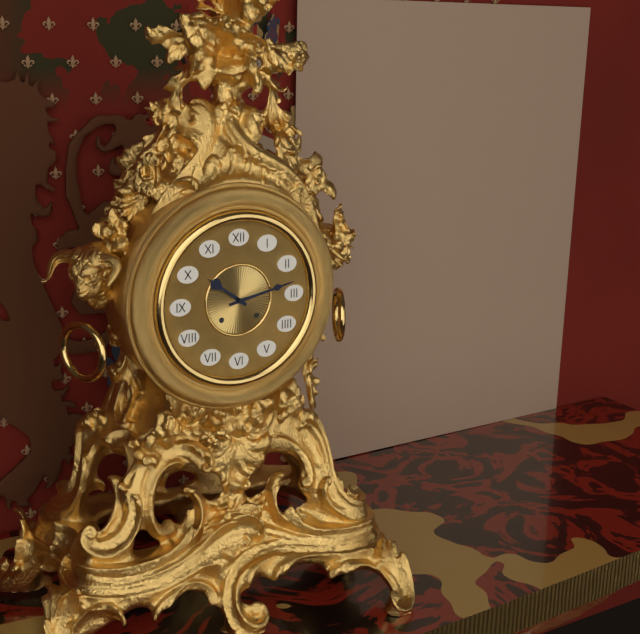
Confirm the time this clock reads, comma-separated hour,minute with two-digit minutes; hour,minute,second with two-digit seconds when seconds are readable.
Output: 10,13
